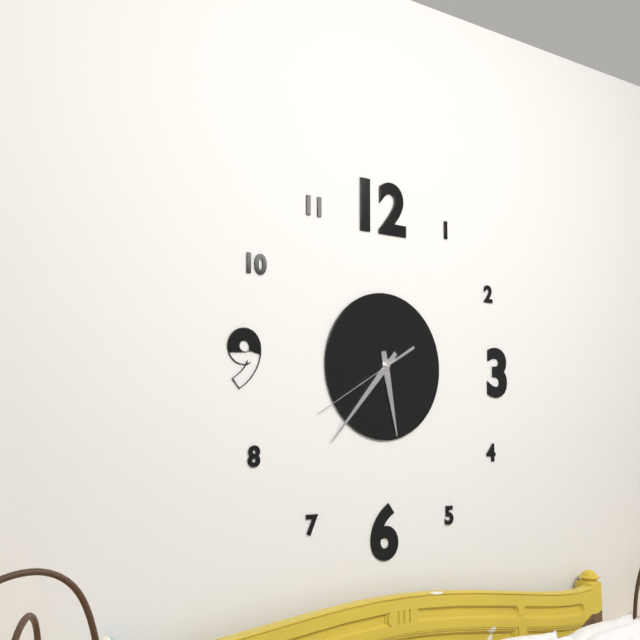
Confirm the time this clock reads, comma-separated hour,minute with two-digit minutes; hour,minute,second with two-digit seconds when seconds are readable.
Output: 5,37,40
